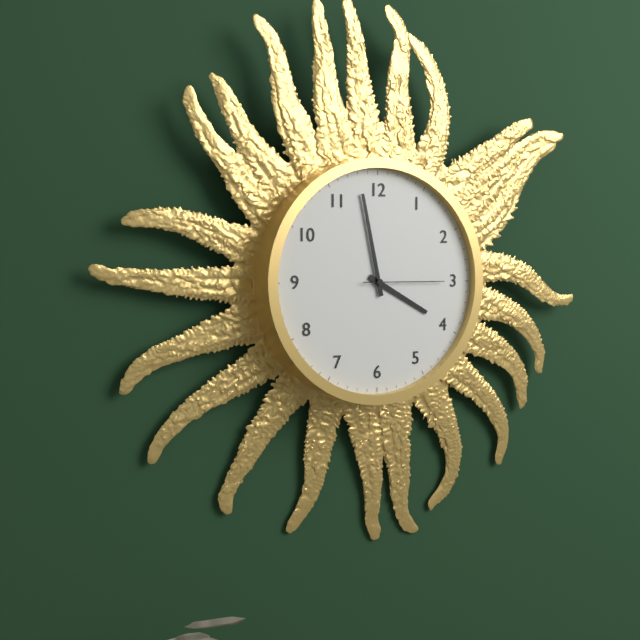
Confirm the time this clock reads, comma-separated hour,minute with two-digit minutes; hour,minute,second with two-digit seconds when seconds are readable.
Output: 3,58,15
